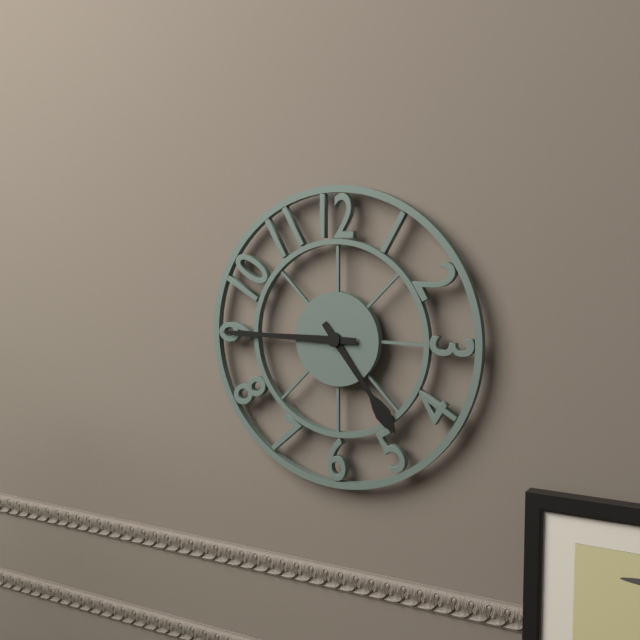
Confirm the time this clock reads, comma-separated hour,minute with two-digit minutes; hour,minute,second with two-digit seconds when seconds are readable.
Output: 4,45
